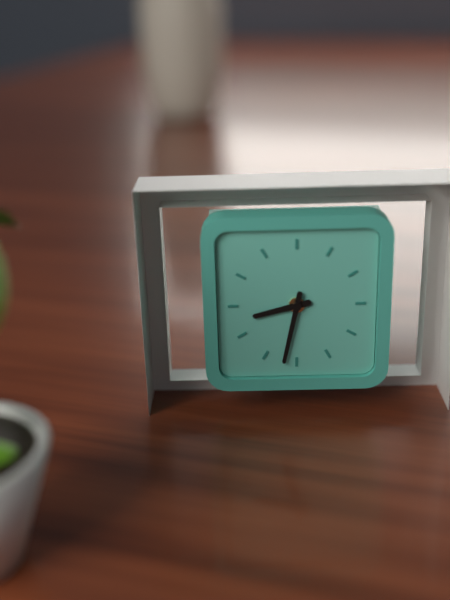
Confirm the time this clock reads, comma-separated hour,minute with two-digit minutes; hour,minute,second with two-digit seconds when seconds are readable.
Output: 8,32
